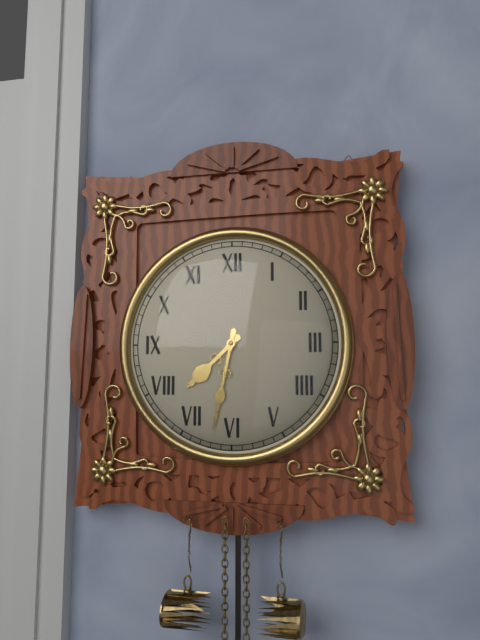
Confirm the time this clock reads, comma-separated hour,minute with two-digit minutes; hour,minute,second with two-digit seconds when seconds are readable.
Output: 7,32
